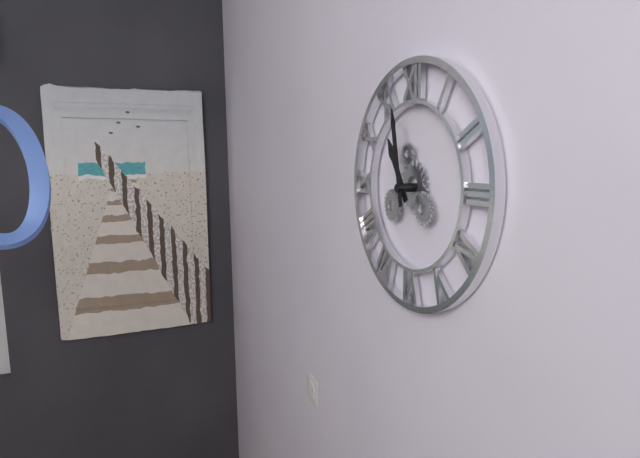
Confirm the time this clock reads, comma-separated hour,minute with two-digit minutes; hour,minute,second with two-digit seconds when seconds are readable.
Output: 10,58
